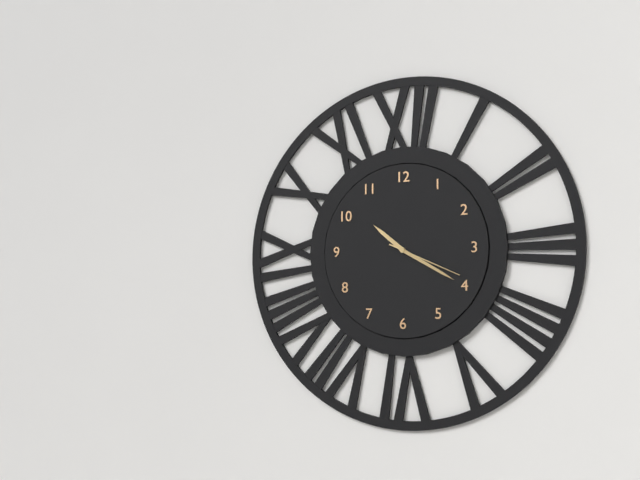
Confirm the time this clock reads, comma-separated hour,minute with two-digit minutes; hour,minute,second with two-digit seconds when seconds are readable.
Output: 10,20,19
